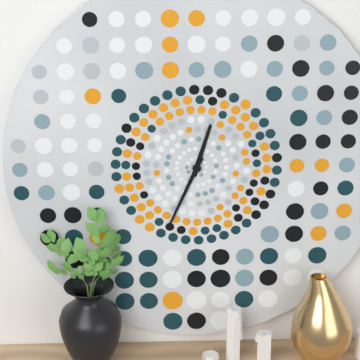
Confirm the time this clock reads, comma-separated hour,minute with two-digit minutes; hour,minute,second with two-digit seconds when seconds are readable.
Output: 12,34
